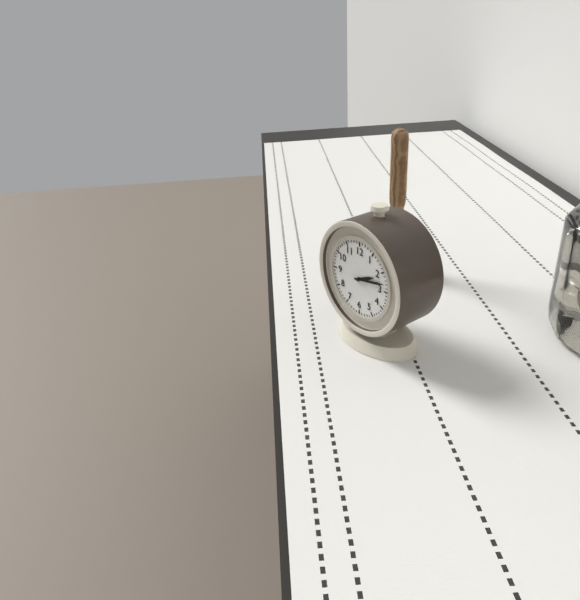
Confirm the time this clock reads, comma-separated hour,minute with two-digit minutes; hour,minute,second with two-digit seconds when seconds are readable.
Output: 2,13
